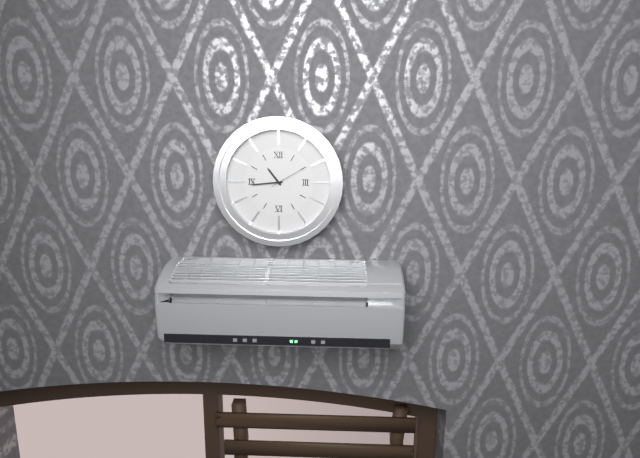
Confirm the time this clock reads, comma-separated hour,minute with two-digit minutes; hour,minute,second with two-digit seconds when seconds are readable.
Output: 10,44
